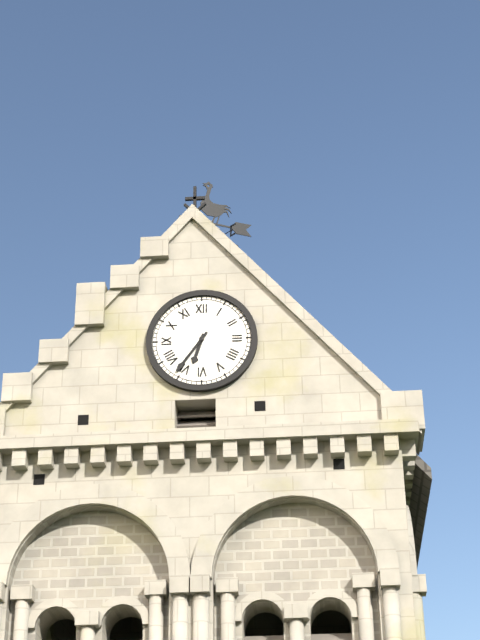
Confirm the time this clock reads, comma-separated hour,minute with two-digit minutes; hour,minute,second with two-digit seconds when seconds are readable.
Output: 6,36
